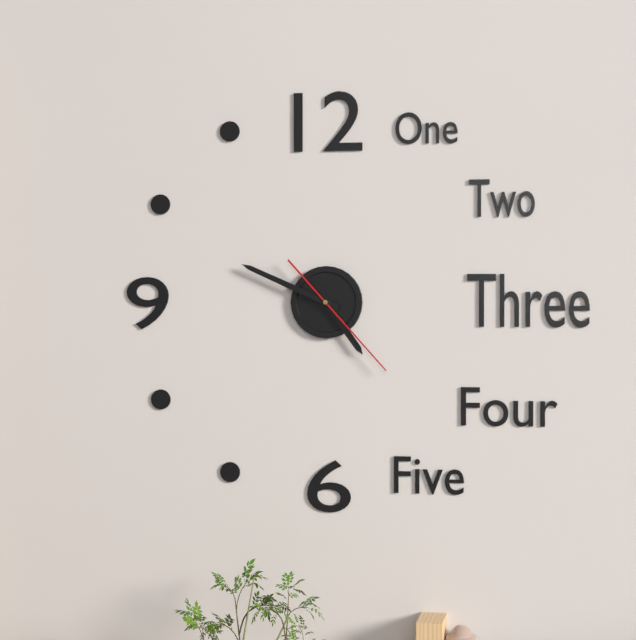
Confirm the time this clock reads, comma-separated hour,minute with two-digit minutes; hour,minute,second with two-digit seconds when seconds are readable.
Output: 4,49,23
